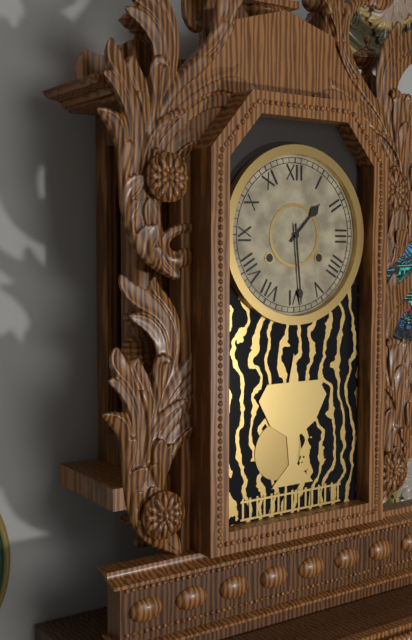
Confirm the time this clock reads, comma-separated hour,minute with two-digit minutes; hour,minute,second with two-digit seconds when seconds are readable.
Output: 1,29
